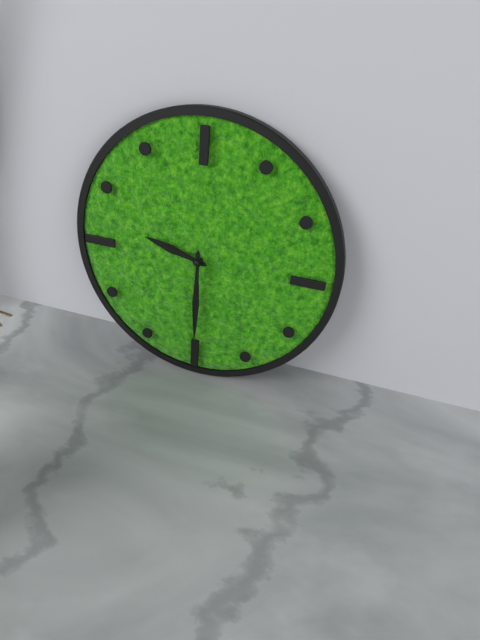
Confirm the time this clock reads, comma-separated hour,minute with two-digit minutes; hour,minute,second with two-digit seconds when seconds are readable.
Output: 9,30
